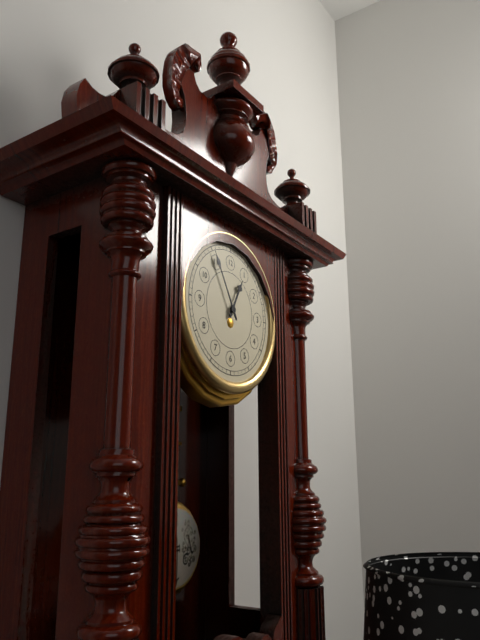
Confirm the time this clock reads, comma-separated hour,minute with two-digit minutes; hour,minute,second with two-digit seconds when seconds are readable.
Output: 12,55
